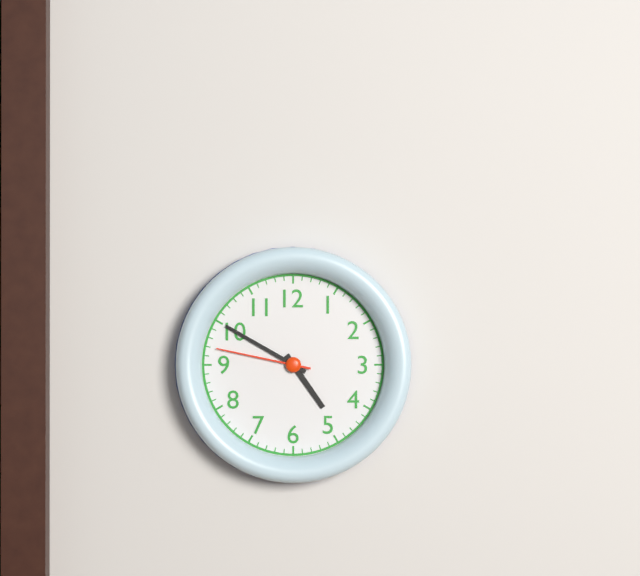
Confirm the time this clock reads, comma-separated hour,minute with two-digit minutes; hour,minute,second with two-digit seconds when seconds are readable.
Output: 4,50,47
